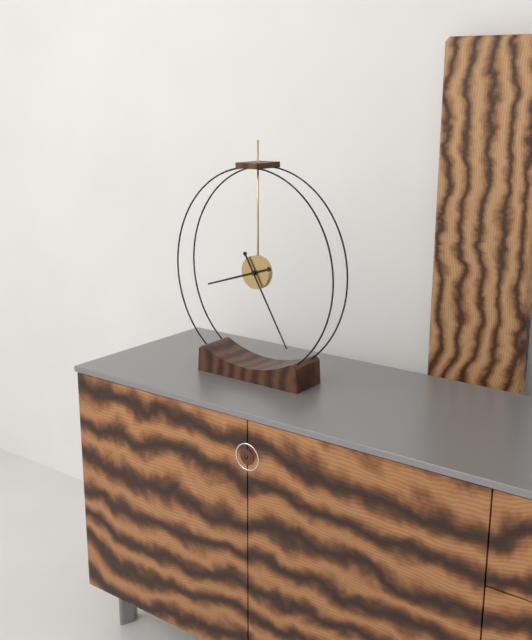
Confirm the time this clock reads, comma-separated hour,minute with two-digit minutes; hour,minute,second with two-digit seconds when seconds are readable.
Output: 8,25
